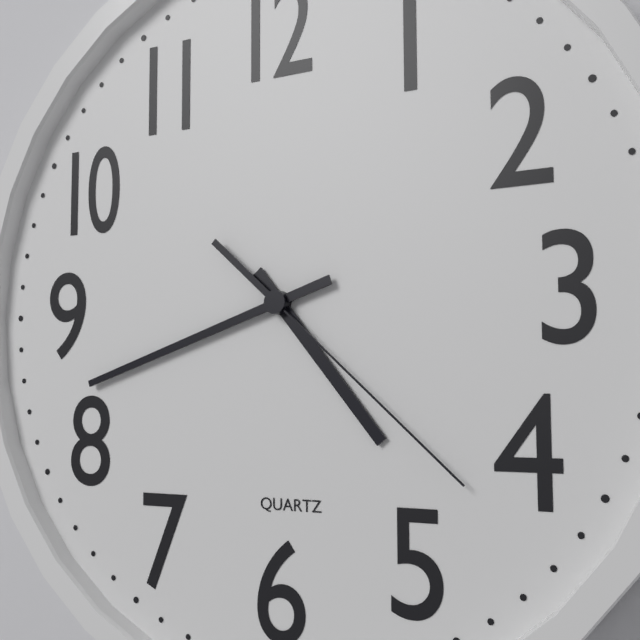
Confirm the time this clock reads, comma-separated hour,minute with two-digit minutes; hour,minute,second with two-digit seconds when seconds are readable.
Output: 4,42,22
